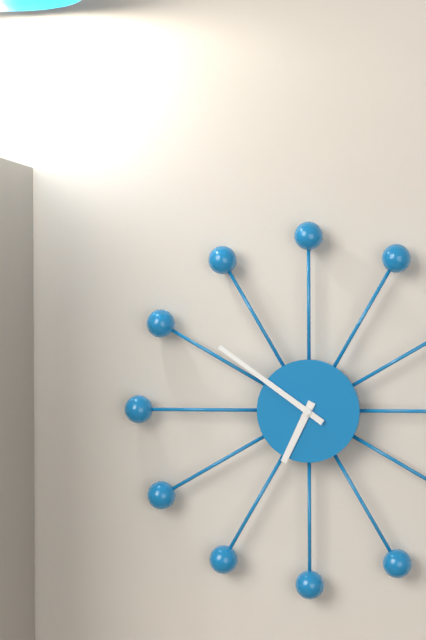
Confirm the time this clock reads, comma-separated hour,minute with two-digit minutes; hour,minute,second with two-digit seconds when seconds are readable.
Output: 6,51
